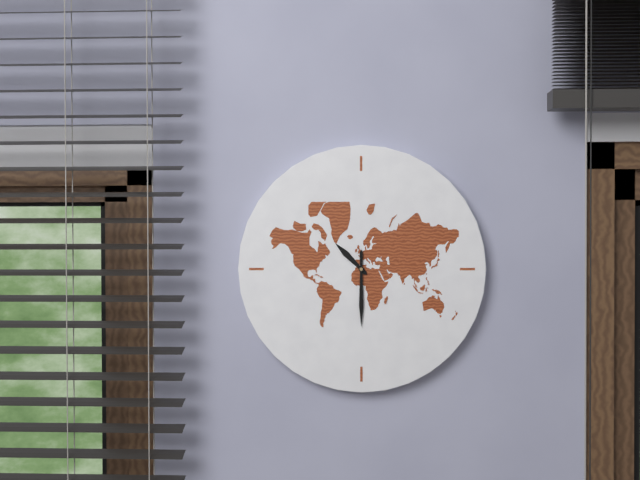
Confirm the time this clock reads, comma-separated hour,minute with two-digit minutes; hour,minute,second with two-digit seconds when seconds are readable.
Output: 10,30
